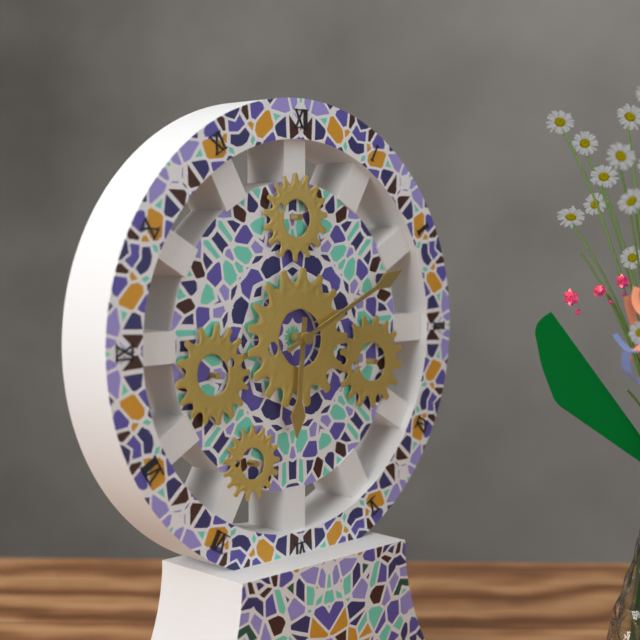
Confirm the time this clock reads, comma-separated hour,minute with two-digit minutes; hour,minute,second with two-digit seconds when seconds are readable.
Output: 6,11
